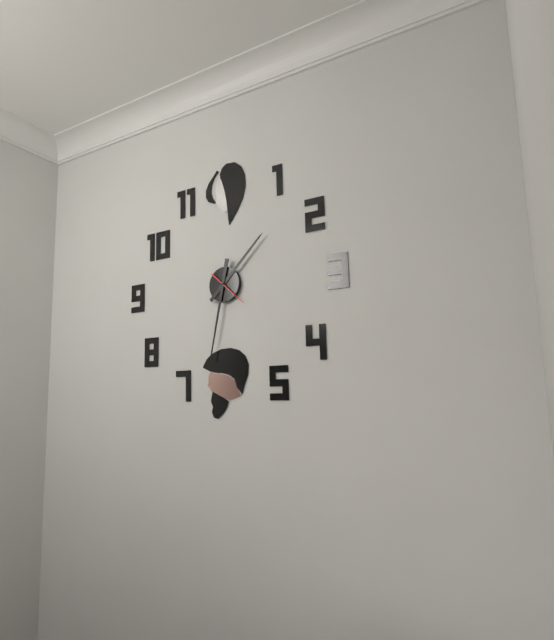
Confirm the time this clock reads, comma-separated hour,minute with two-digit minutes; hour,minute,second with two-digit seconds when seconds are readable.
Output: 1,32
